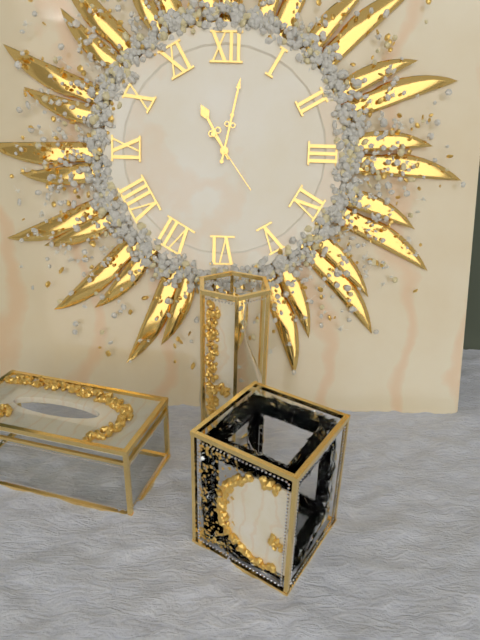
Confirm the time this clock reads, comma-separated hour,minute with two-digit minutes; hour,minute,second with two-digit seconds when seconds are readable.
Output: 11,02,24
